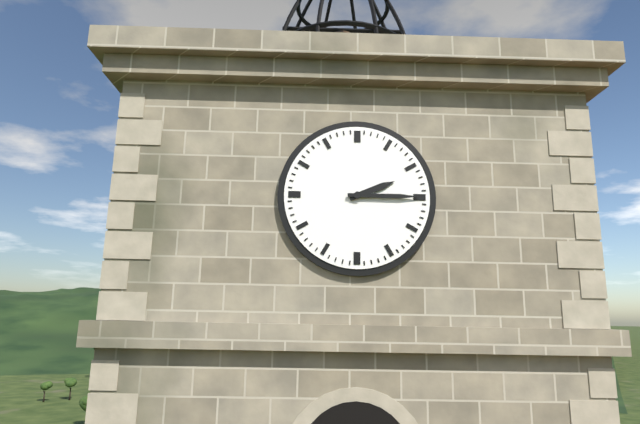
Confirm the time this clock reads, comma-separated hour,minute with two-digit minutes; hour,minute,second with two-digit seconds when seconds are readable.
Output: 2,15
